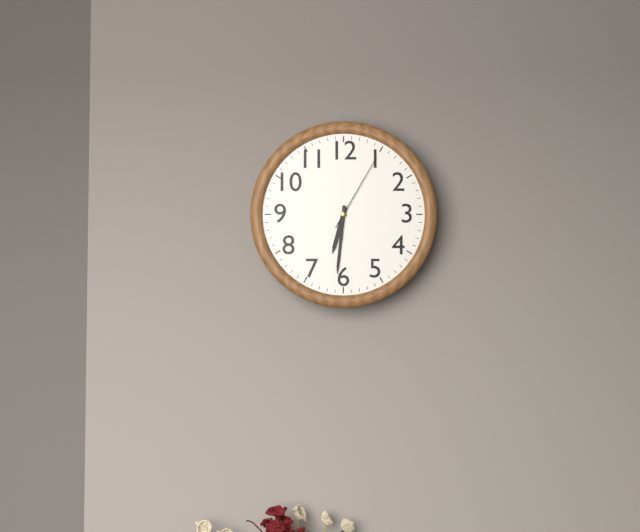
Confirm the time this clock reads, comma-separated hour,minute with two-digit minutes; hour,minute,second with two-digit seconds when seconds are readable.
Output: 6,31,05
